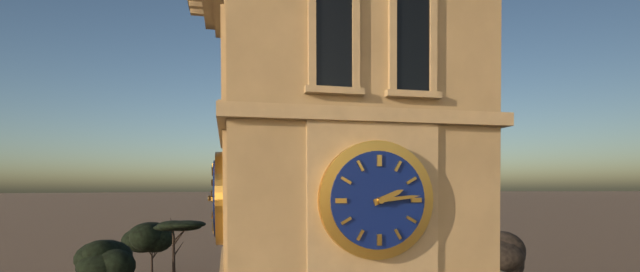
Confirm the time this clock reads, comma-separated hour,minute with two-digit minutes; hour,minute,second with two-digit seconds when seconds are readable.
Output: 2,14
